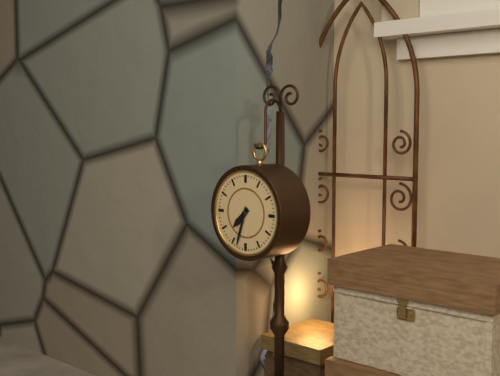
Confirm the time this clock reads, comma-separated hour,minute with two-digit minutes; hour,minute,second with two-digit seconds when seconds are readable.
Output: 7,33
